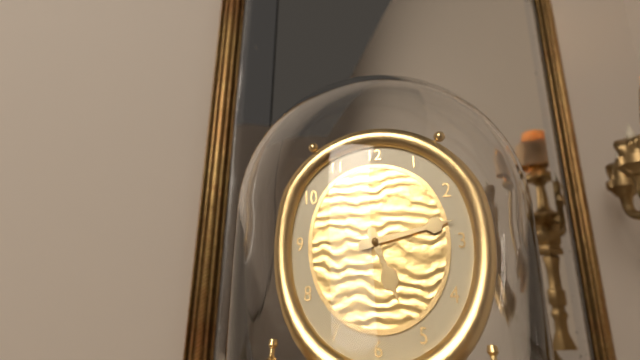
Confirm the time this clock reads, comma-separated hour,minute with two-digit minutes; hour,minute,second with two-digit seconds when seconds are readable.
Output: 5,13
